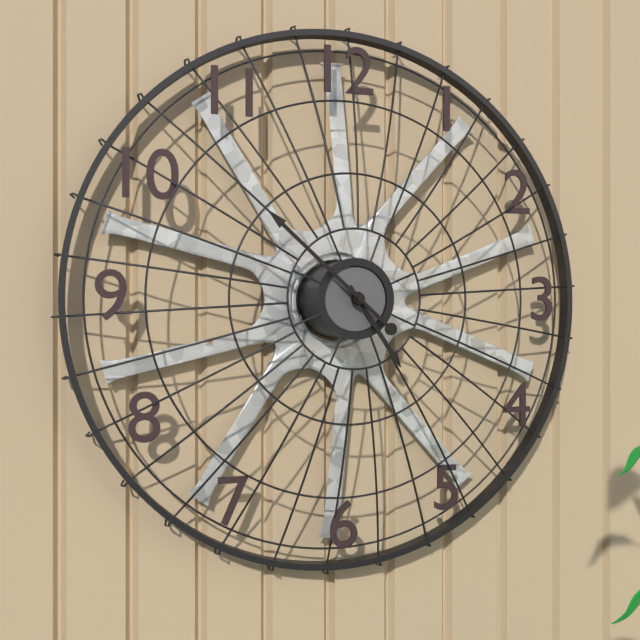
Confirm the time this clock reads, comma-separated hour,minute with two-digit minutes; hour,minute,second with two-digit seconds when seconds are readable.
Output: 4,52
